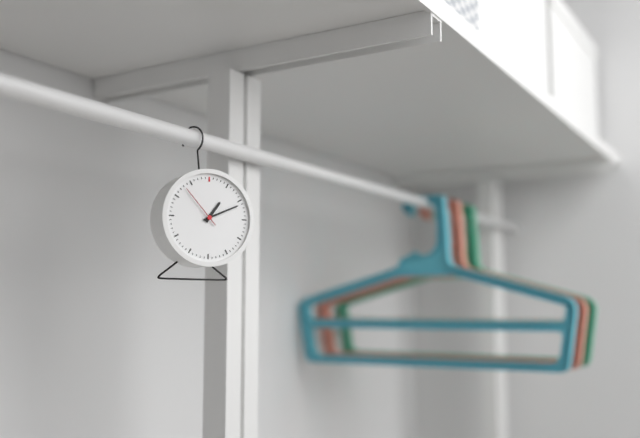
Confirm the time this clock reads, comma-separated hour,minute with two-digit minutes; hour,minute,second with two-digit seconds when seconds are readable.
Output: 1,11
